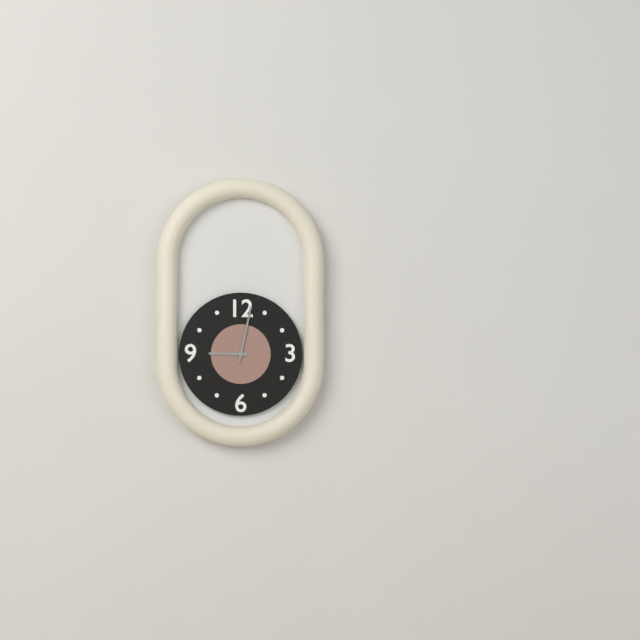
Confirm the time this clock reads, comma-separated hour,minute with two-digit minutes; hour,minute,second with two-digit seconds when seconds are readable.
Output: 9,02
